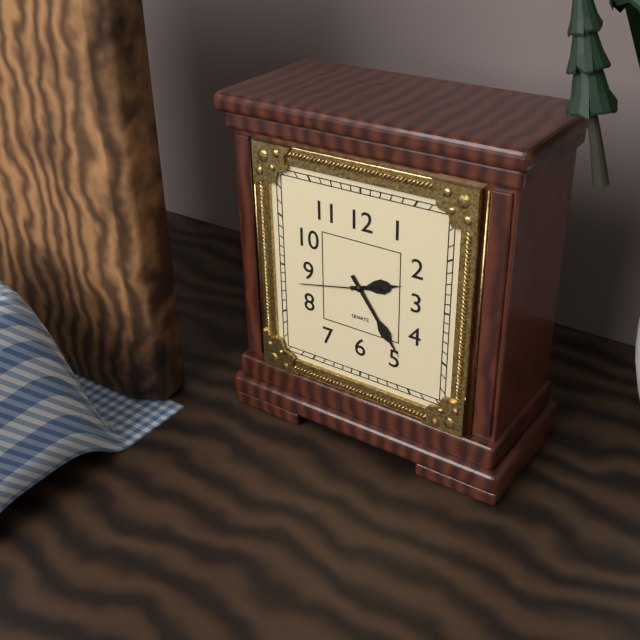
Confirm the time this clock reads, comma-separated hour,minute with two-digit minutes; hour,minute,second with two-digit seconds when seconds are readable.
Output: 2,24,43
